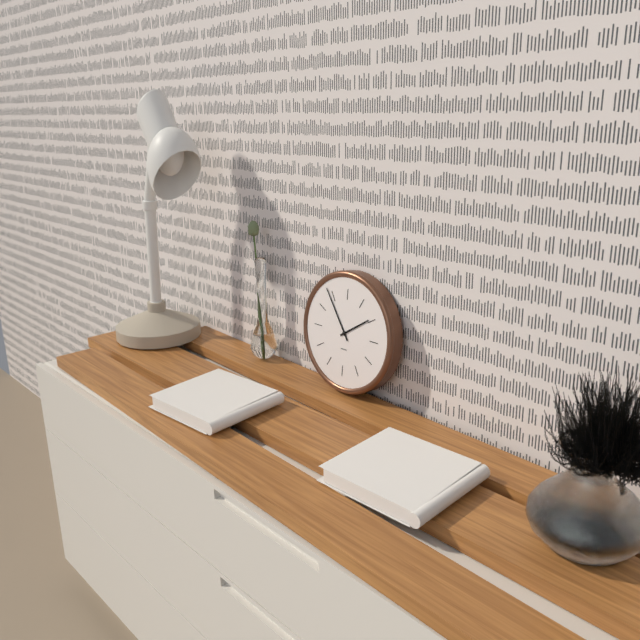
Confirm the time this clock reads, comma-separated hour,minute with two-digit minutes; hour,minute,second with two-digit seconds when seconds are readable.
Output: 1,54
